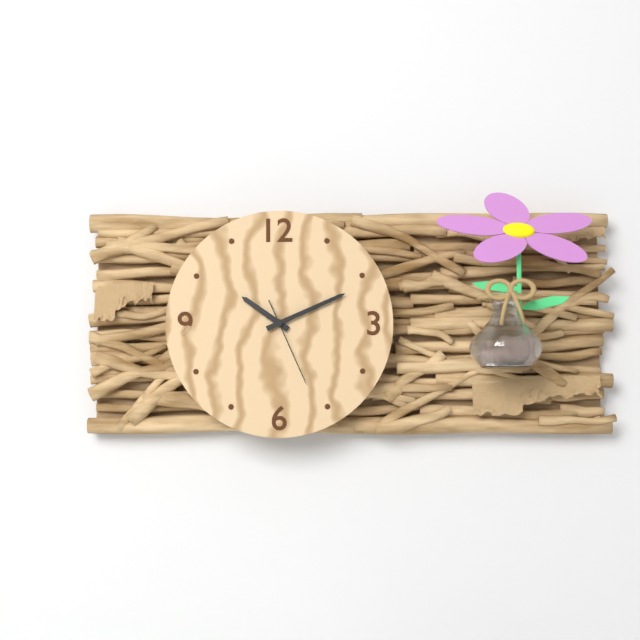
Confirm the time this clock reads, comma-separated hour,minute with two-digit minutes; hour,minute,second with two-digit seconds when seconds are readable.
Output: 10,11,26
